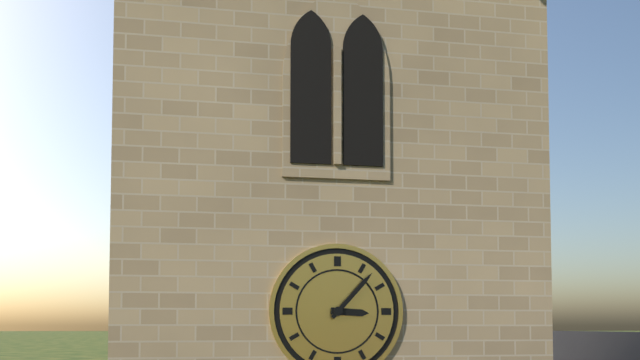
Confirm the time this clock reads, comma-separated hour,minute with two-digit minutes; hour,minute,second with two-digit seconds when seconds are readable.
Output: 3,07
